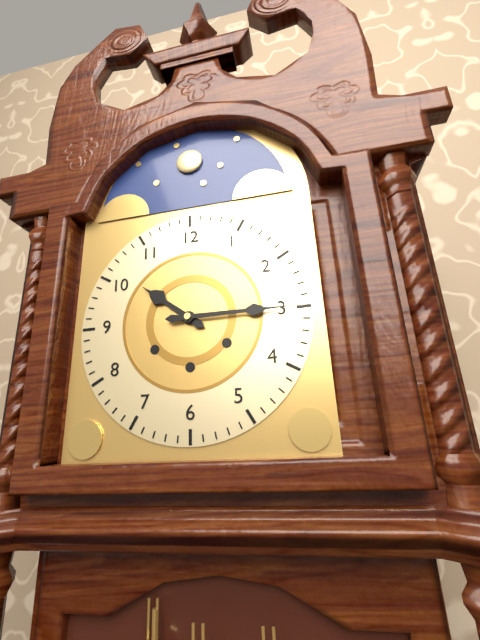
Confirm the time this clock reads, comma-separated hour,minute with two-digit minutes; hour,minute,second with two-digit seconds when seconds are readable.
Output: 10,15
